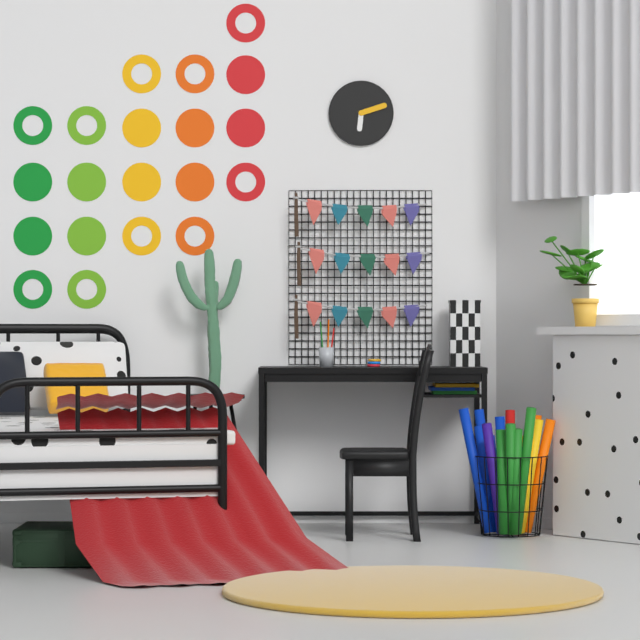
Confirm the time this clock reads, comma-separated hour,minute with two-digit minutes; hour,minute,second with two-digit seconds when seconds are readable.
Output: 6,12
